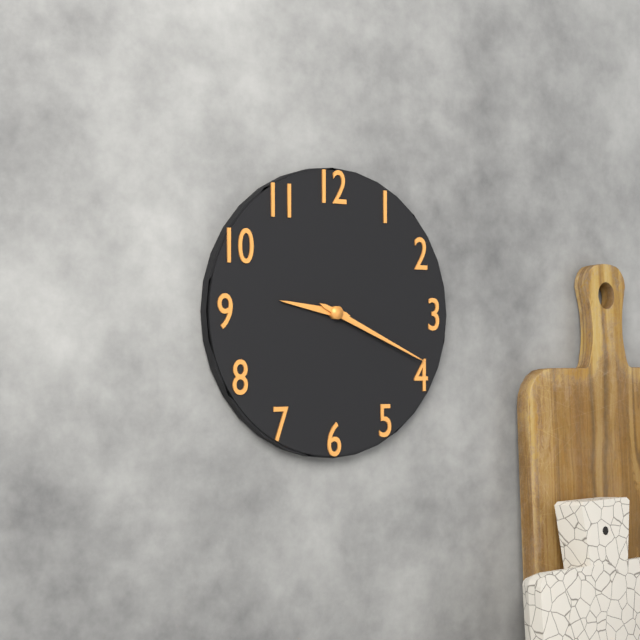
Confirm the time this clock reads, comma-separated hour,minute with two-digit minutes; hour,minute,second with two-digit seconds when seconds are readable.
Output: 9,19
